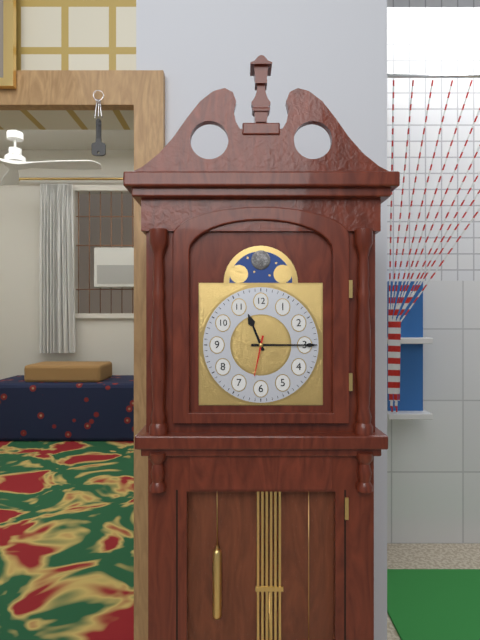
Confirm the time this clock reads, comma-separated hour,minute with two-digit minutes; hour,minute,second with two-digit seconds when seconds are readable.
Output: 11,15
